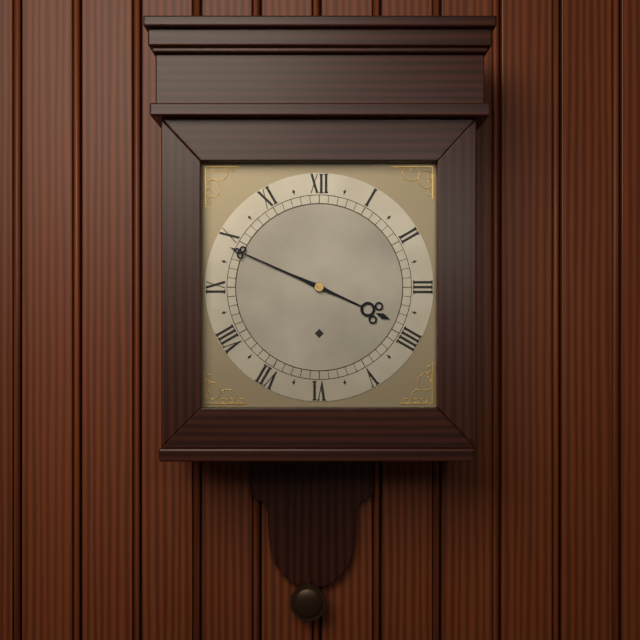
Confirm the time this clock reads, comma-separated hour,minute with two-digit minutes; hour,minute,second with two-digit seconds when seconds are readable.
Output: 3,49
